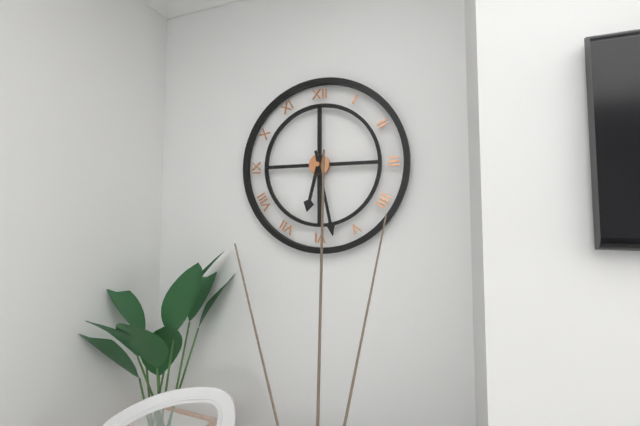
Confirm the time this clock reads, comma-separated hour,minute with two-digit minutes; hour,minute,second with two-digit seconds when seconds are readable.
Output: 6,28
